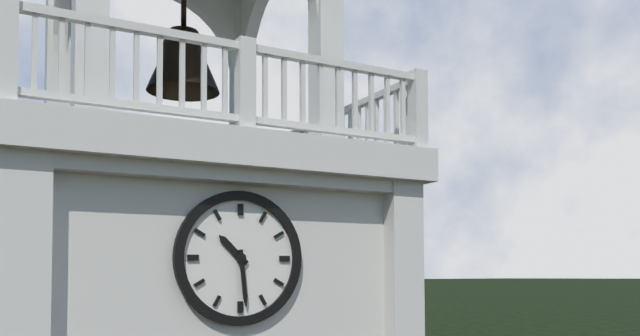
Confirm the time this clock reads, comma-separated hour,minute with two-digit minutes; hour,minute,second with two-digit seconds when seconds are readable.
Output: 10,29
